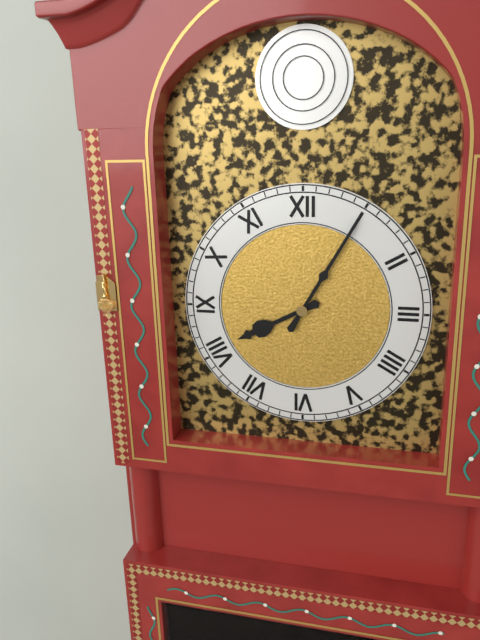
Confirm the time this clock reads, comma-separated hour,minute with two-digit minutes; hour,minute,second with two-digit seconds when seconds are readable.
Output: 8,05
